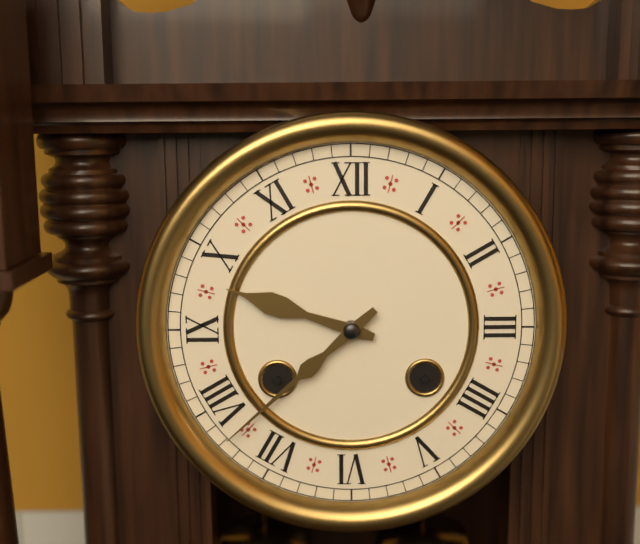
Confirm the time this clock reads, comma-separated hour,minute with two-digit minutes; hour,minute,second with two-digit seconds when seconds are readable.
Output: 9,38
